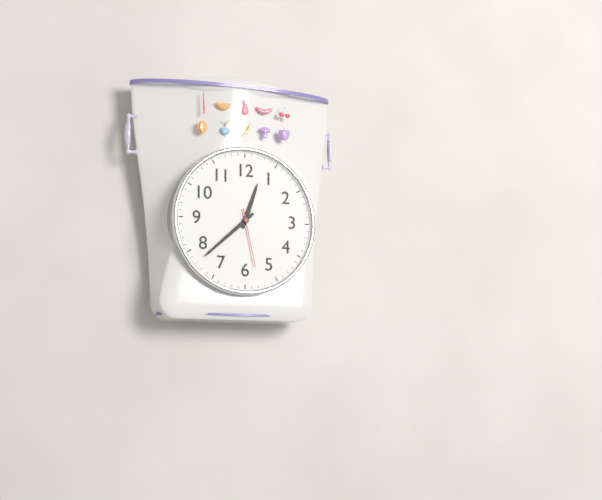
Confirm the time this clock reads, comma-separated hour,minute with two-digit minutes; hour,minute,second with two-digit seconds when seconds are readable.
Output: 12,38,28
